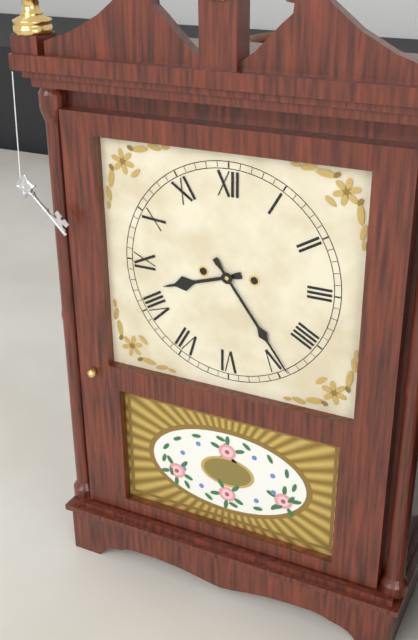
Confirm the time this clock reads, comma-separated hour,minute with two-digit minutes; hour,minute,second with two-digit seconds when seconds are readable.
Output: 8,24
